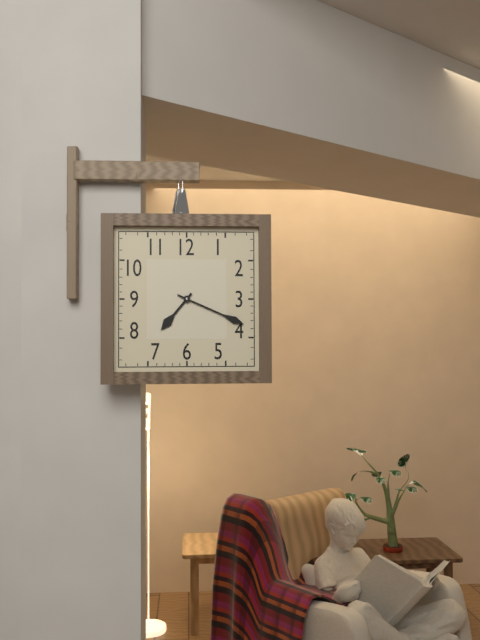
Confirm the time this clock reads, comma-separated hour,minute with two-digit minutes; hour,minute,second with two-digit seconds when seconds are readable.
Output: 7,19
